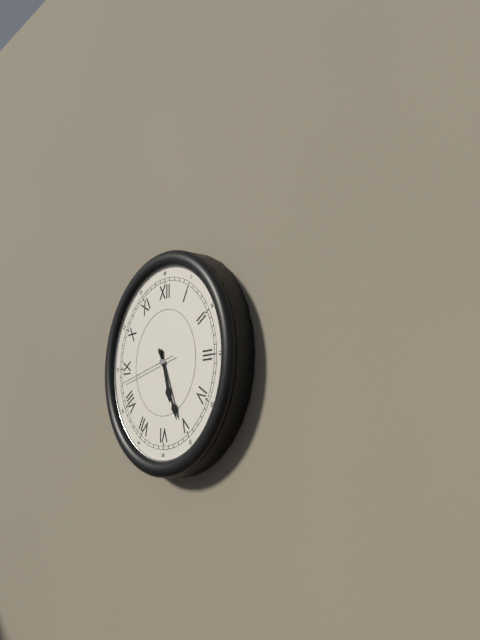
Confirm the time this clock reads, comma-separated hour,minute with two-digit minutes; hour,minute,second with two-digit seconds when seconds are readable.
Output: 5,26,43
